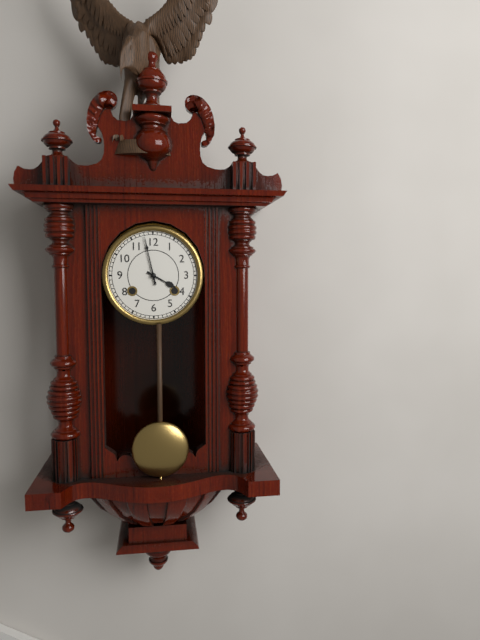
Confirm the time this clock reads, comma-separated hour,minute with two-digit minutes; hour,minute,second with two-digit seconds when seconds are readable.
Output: 3,58
